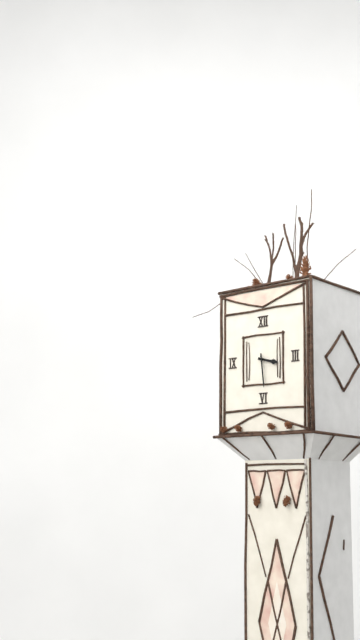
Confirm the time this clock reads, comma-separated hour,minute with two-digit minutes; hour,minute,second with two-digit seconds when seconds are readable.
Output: 3,29
